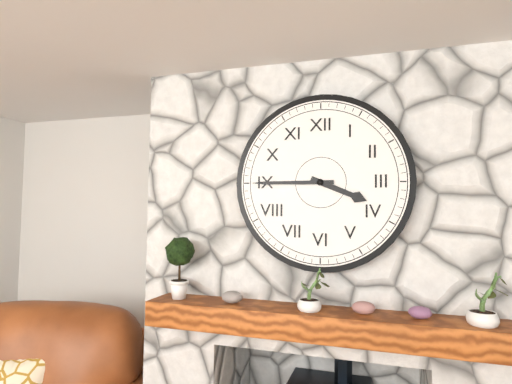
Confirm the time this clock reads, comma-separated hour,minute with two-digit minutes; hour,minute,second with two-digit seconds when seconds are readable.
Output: 3,45
